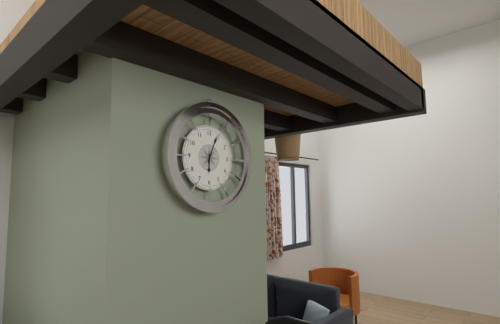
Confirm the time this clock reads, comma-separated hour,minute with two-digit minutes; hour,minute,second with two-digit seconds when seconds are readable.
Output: 6,04
